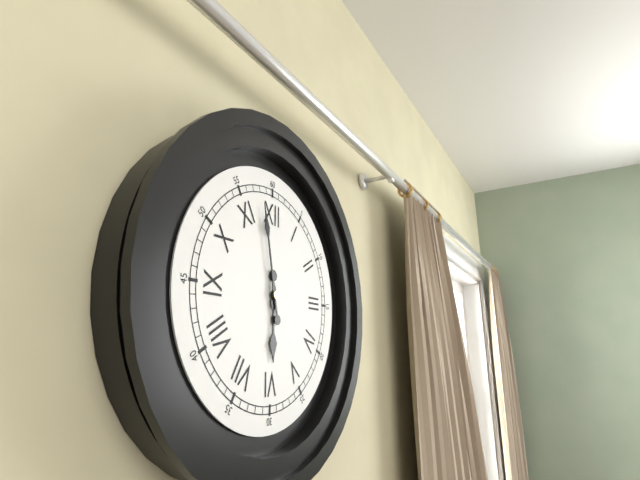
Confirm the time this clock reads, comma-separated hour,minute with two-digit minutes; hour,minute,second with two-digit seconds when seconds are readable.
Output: 5,58
